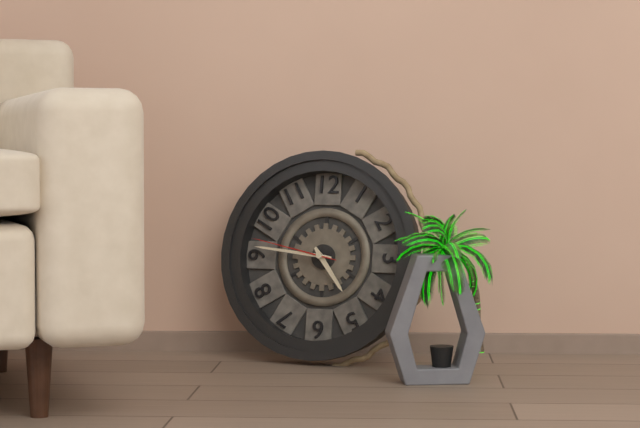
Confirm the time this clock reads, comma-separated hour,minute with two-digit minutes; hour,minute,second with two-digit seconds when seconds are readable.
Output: 4,46,47
